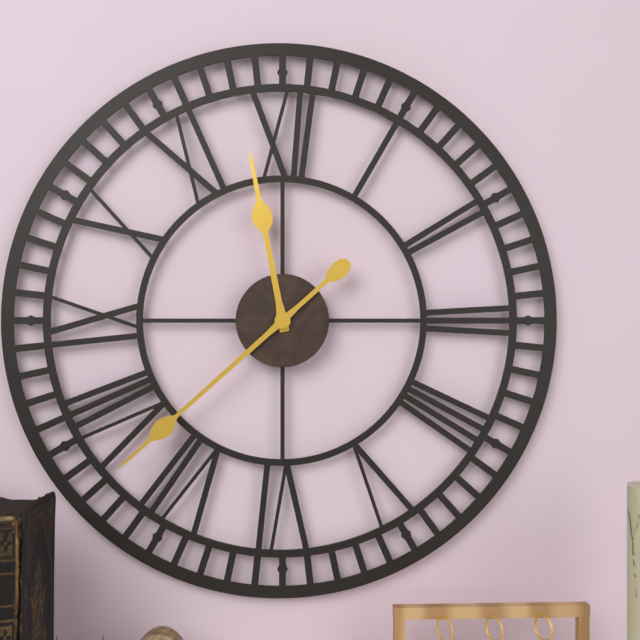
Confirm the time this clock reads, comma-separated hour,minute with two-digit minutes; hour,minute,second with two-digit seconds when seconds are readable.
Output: 11,38
